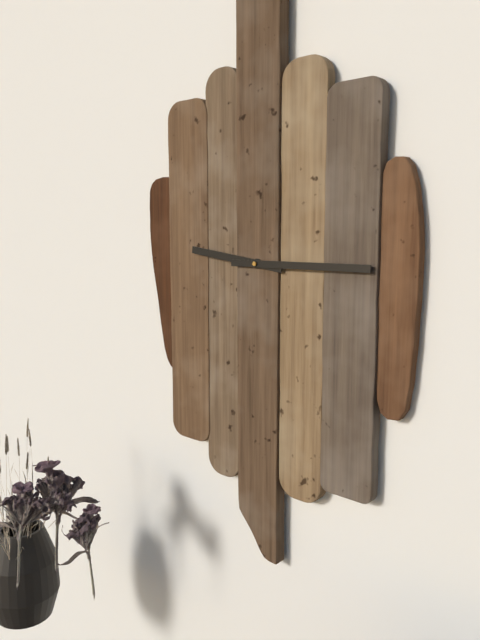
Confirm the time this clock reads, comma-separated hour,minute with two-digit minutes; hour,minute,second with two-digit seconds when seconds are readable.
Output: 9,15
